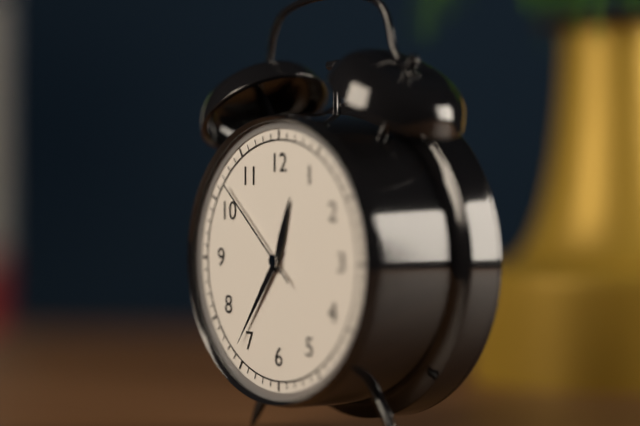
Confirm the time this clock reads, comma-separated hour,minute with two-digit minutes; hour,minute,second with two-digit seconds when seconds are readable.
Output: 12,36,52
